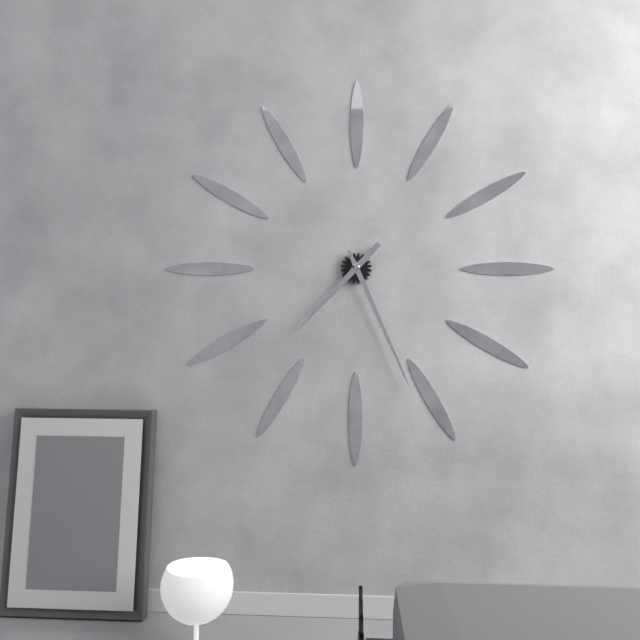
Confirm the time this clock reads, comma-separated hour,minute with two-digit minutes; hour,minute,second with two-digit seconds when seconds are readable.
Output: 7,26
